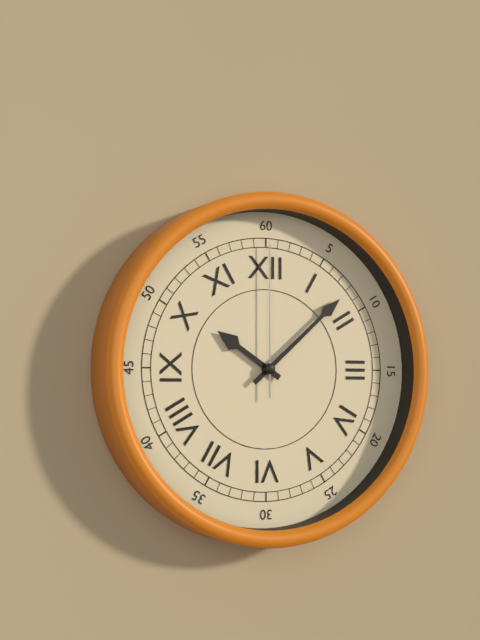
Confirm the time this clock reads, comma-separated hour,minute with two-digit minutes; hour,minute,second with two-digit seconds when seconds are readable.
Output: 10,08,00
